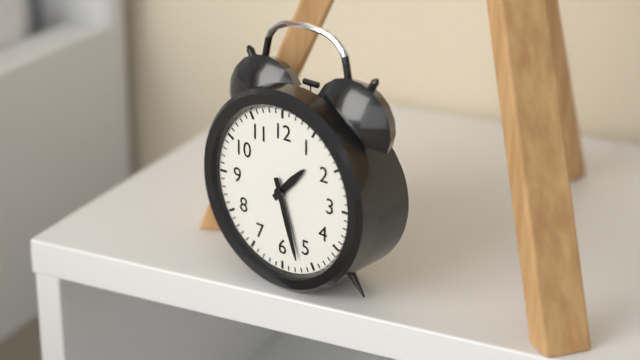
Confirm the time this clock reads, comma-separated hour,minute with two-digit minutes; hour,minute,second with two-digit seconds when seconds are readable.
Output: 1,27
